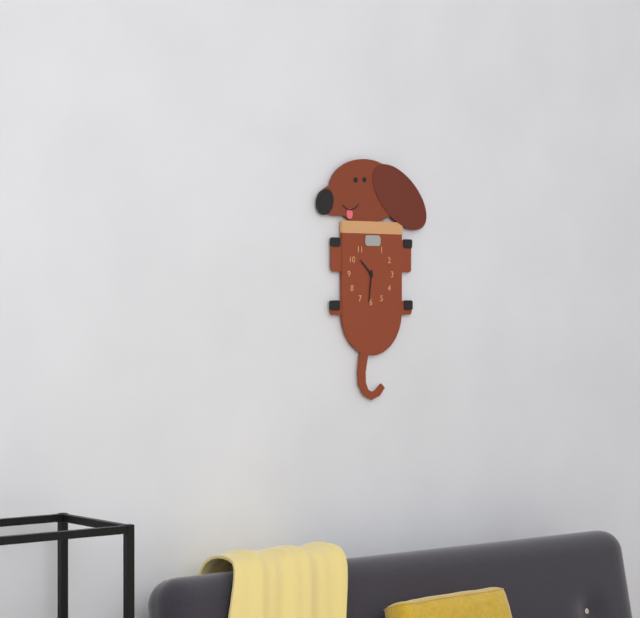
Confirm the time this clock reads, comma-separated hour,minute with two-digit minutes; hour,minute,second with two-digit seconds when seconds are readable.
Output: 10,31
